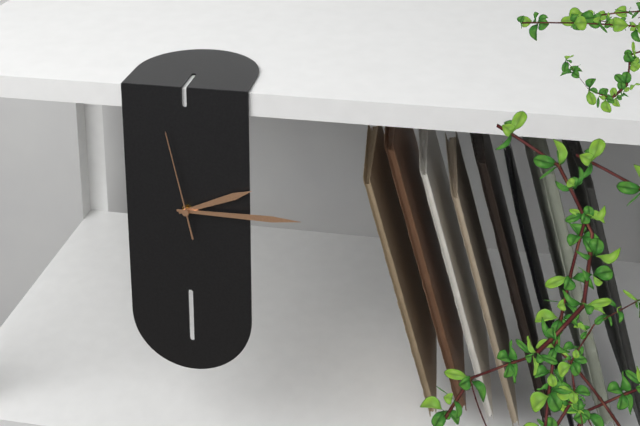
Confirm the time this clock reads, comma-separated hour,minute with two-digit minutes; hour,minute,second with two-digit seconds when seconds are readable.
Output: 2,15,58
